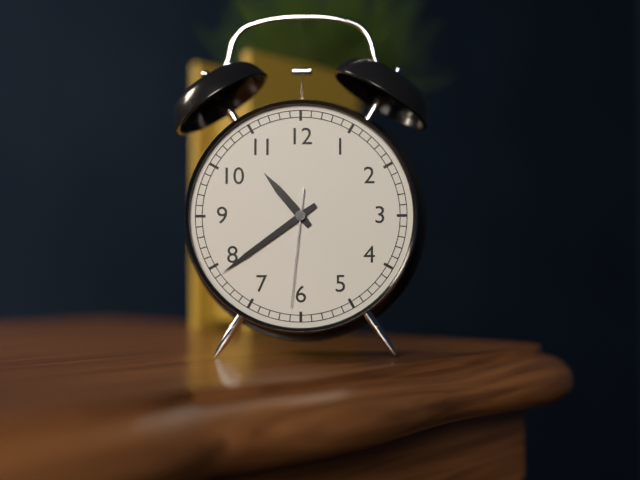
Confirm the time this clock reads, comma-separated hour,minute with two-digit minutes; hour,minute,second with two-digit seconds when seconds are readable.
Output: 10,39,31
